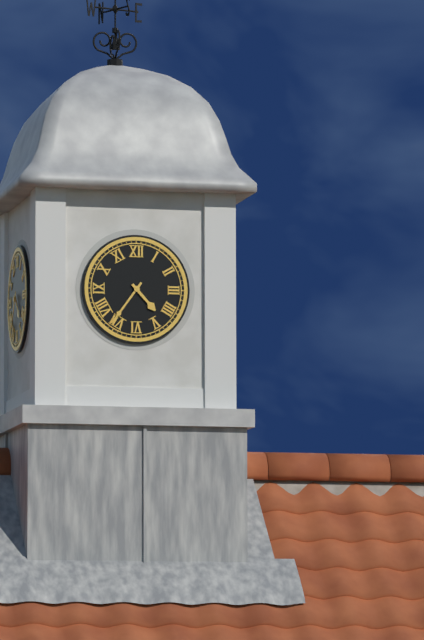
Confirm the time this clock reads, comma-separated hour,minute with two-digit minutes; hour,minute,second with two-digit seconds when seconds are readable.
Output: 4,36
